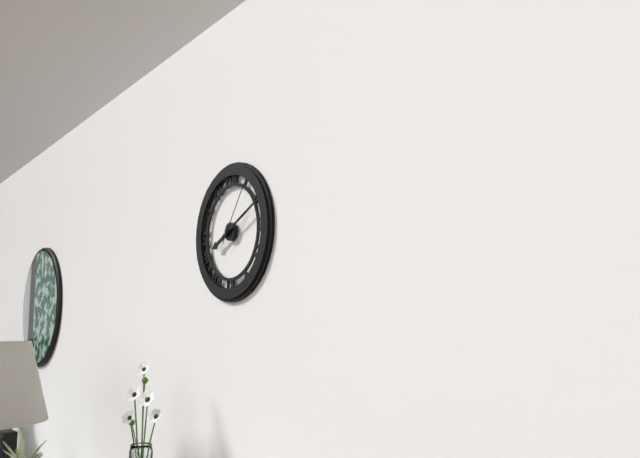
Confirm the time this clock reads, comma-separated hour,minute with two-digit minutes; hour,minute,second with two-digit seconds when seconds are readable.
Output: 8,11,06
